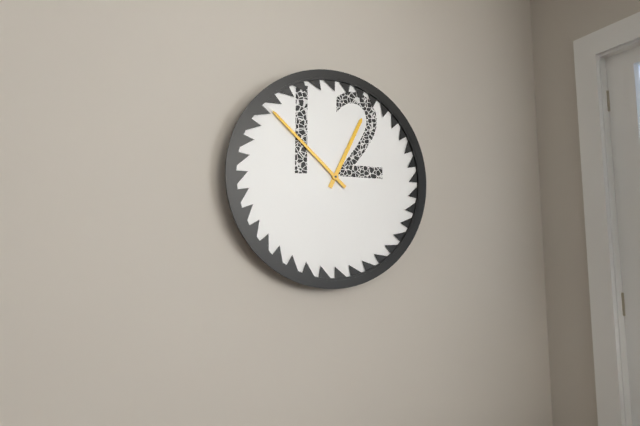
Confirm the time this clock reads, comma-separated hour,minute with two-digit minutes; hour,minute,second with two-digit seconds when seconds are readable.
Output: 12,52
